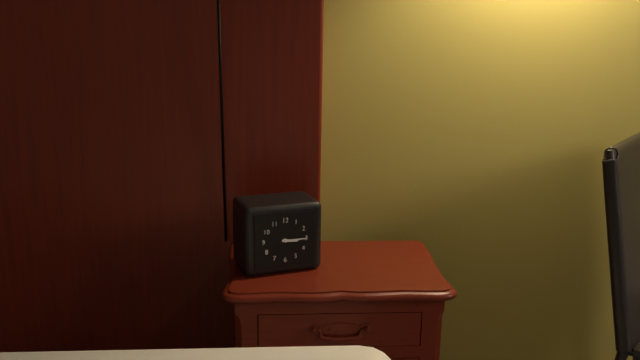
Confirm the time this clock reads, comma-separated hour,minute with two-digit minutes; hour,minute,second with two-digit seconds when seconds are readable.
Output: 3,15
